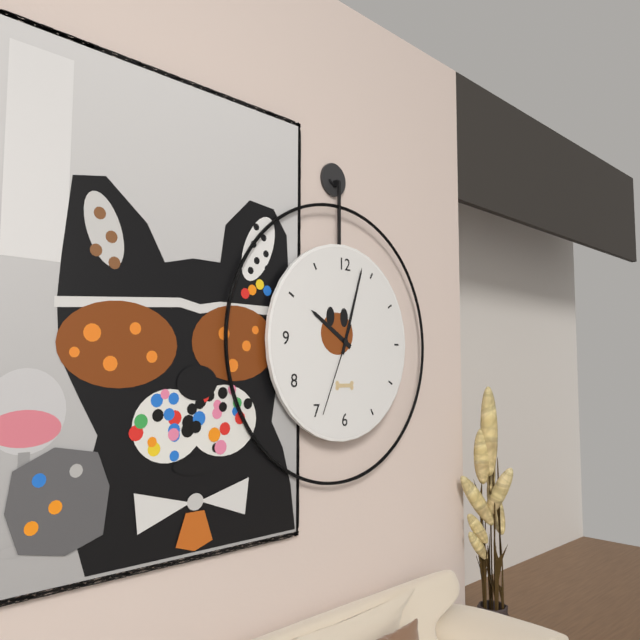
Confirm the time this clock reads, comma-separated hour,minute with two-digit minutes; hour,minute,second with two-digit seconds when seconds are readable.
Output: 10,03,34
